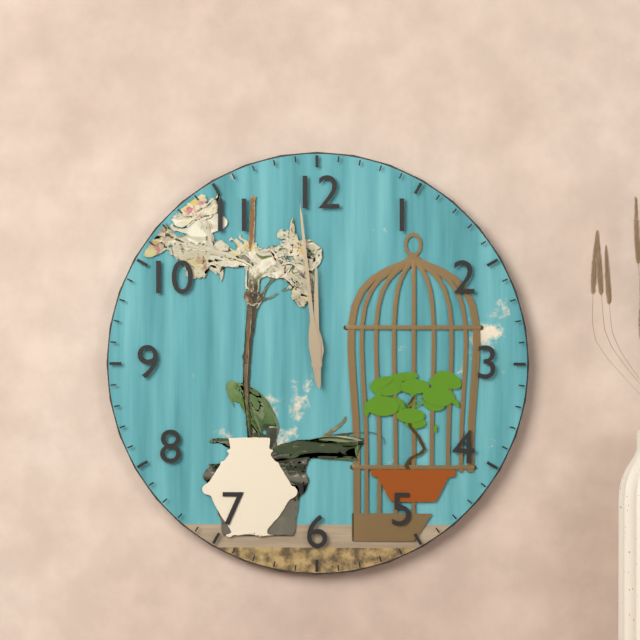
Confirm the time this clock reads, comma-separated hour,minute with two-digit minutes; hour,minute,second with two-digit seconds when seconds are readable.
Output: 11,59
